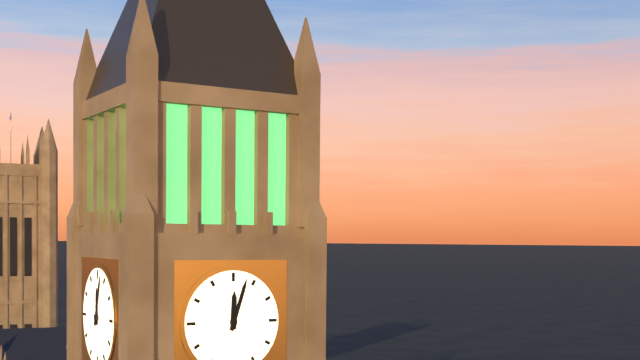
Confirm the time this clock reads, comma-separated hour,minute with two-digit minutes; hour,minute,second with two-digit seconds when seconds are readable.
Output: 12,03
